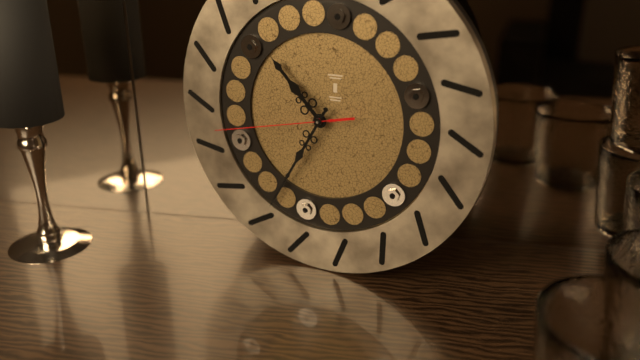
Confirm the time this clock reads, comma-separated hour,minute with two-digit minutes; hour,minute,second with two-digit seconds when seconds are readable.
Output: 10,35,43
